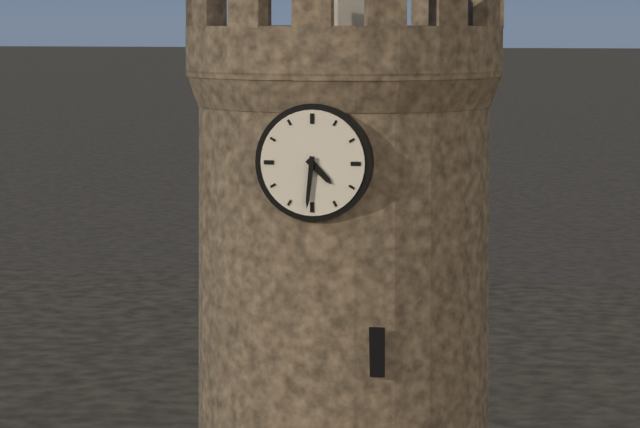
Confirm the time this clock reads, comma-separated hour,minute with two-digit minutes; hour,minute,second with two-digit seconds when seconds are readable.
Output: 4,31
